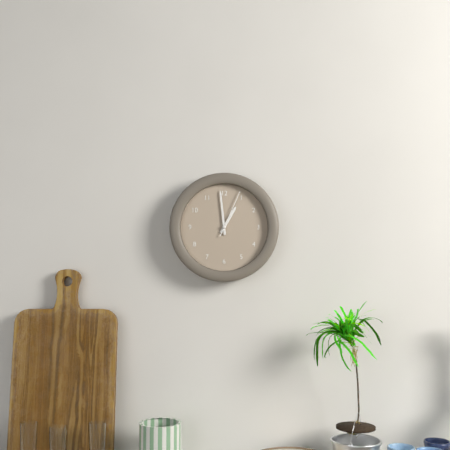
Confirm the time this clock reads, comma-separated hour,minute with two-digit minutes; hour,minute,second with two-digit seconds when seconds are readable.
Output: 12,59
